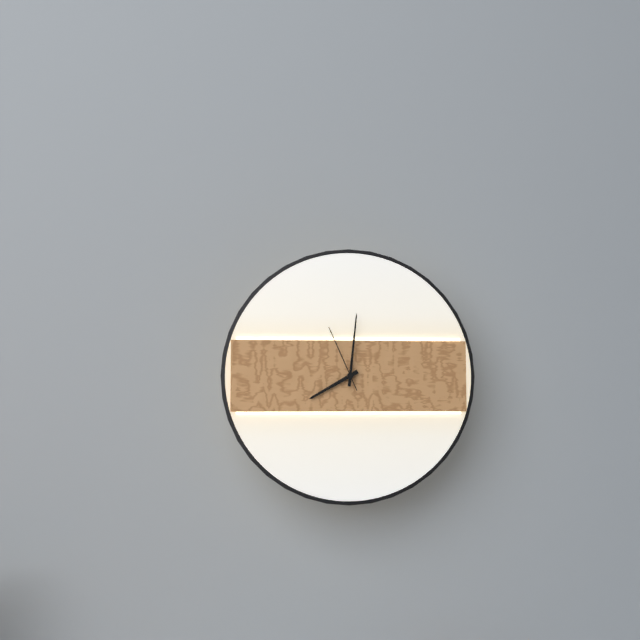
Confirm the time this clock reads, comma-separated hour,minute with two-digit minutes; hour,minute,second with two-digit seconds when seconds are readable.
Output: 8,01,56
